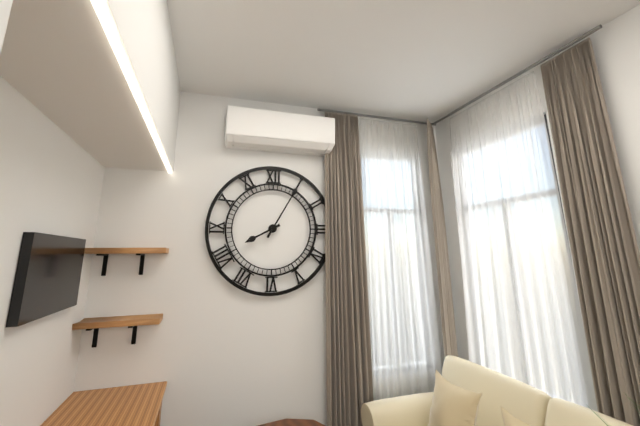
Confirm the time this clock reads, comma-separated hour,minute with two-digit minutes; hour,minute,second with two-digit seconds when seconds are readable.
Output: 8,05
